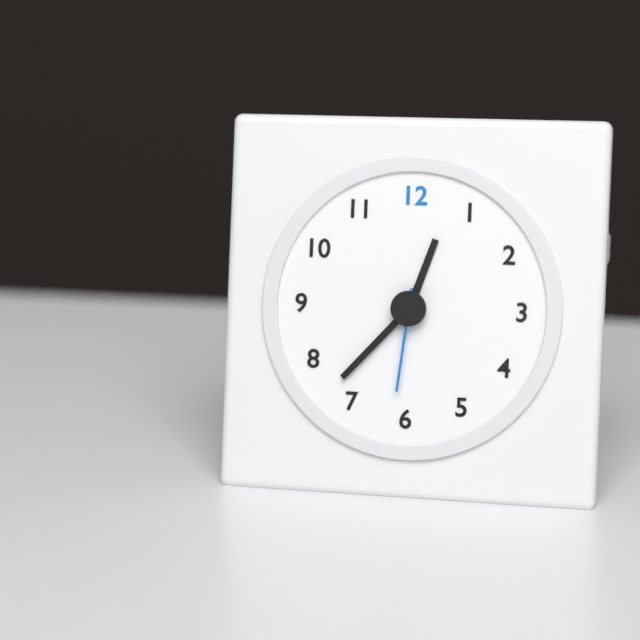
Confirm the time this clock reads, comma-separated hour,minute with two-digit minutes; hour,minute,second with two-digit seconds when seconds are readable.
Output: 12,37,31
